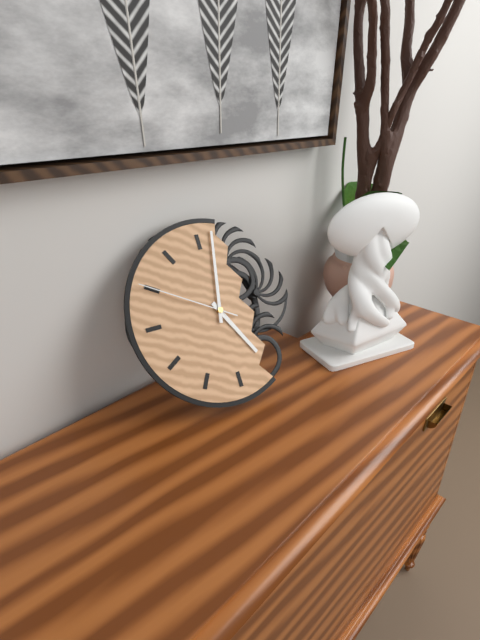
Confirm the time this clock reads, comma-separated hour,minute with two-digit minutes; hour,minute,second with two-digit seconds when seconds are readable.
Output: 5,02,50
